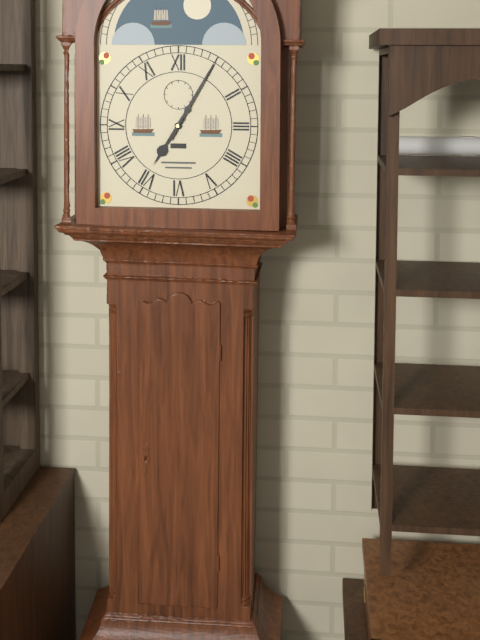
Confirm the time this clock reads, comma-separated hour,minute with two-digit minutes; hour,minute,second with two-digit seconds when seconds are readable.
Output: 7,05
